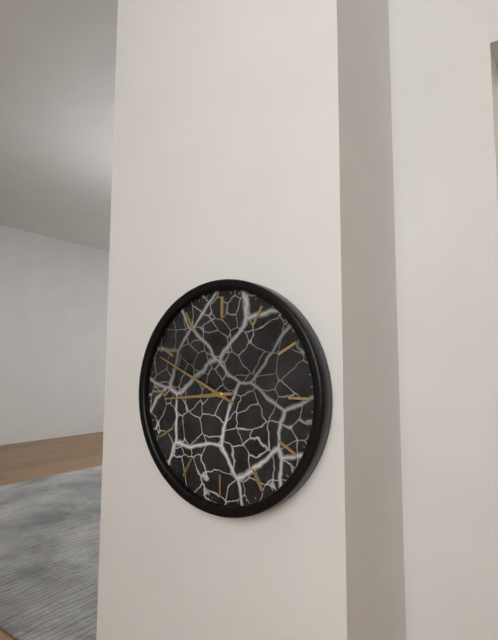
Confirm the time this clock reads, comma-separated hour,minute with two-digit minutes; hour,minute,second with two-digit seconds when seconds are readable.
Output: 8,49
